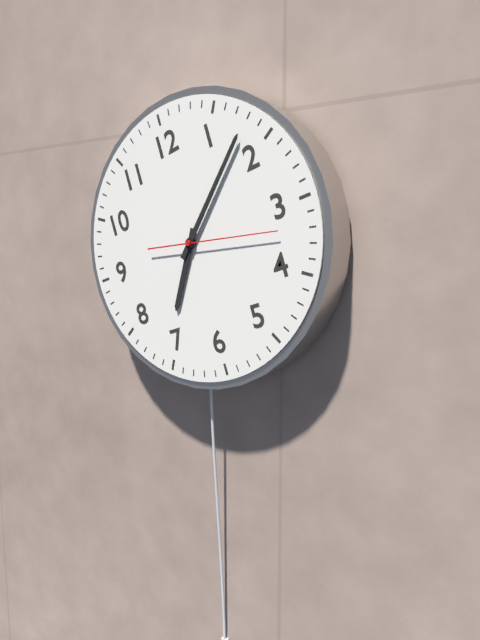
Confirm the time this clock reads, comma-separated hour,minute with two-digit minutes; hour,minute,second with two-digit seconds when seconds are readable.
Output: 7,08,17
